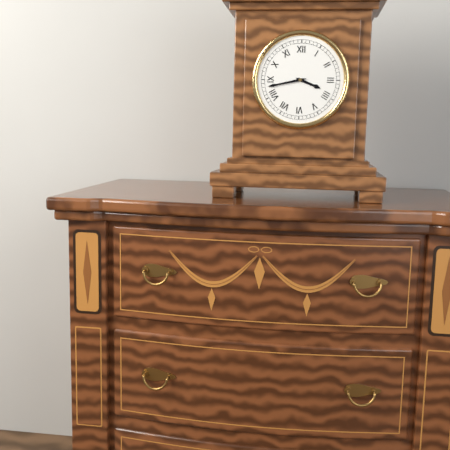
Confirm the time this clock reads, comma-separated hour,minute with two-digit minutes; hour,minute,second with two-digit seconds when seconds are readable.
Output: 3,43
